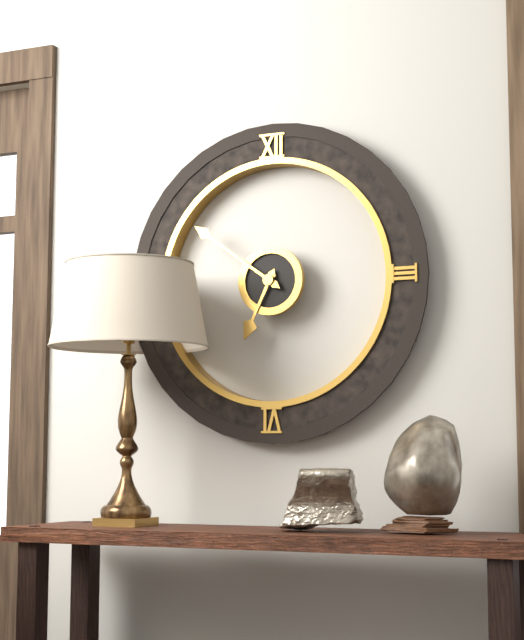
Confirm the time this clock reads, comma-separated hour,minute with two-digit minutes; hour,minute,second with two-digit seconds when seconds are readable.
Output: 6,51
